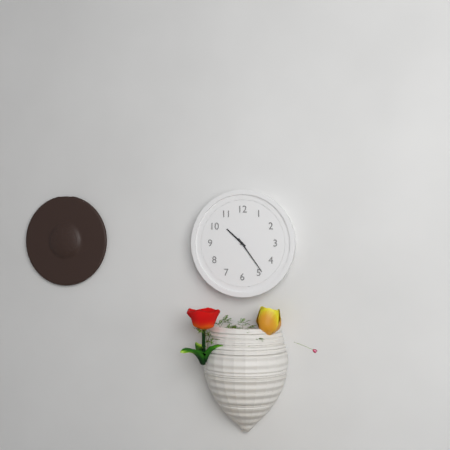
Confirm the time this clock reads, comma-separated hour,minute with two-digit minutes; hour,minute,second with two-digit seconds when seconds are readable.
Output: 10,24
